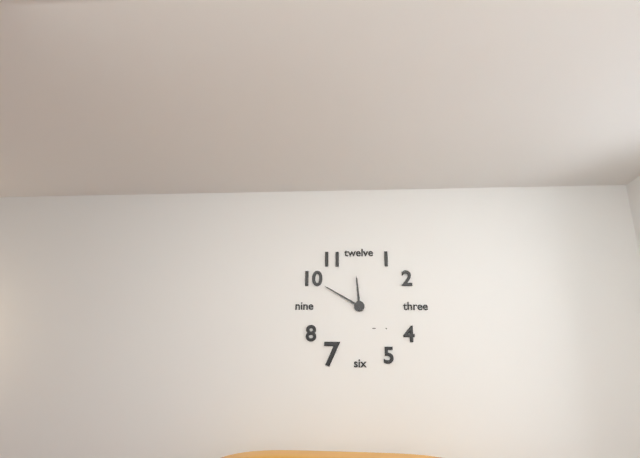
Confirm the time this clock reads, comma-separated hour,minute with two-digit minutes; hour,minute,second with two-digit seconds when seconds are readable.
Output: 11,50
